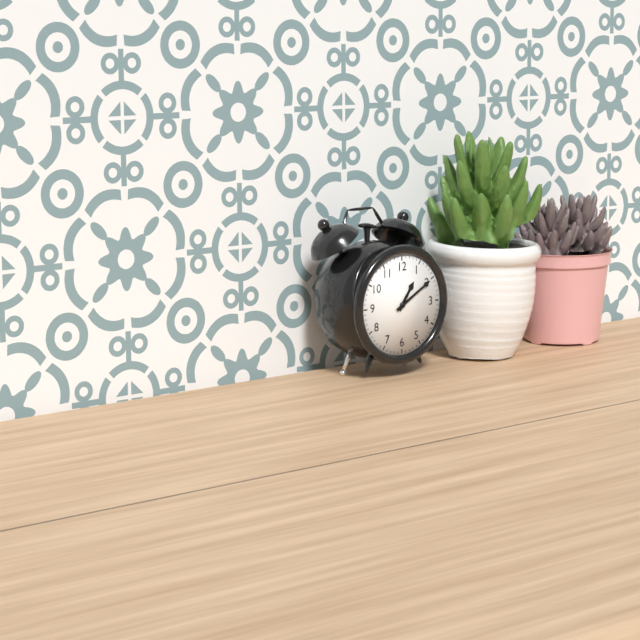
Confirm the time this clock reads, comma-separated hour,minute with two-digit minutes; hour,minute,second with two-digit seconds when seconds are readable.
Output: 1,10
